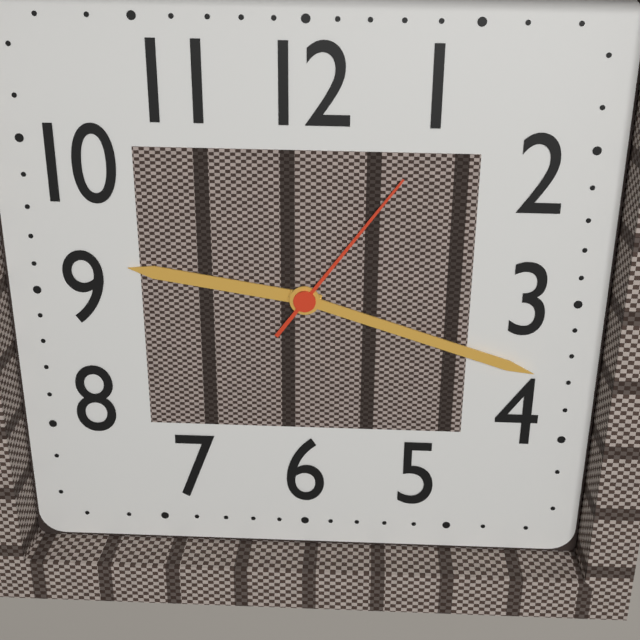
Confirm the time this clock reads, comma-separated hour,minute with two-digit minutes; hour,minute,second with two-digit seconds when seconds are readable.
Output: 9,18,06
